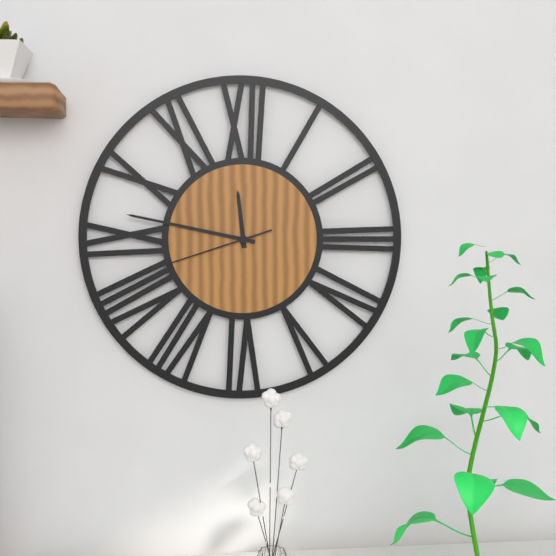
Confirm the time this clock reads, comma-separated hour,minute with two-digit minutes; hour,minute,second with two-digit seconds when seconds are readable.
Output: 11,47,42
